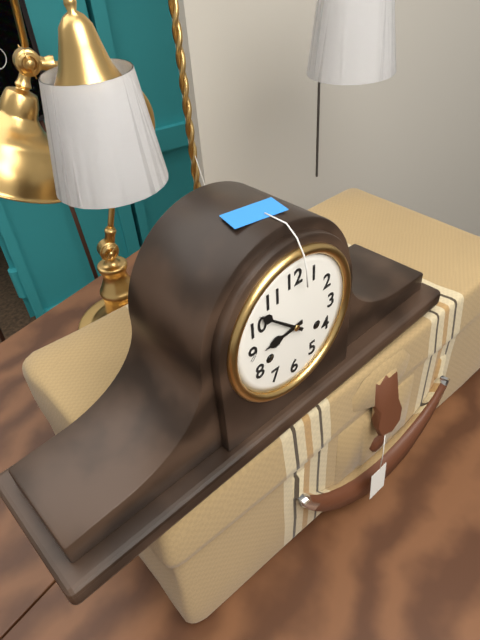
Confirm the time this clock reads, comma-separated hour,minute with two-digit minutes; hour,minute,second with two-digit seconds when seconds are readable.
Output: 8,52
